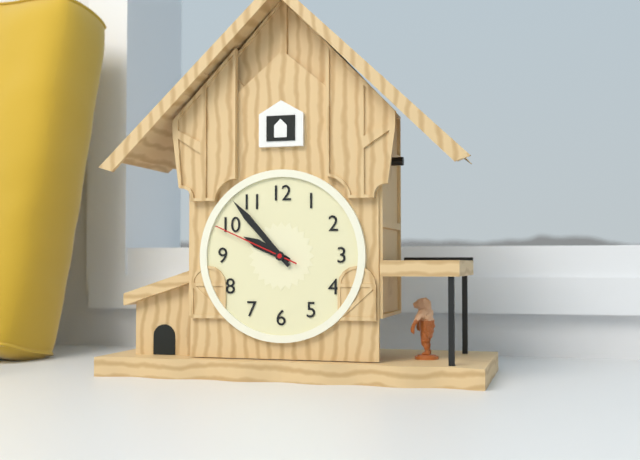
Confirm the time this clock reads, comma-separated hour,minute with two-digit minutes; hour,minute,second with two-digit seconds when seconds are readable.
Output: 9,53,49
